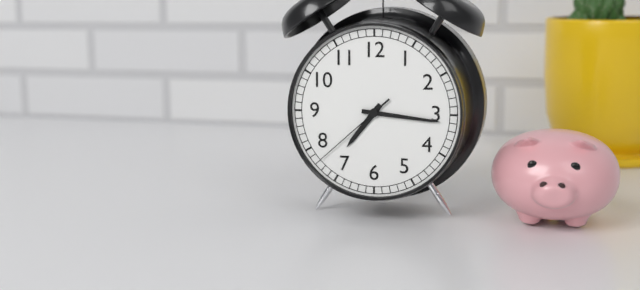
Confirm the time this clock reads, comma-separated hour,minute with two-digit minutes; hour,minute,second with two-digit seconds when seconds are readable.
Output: 7,16,38
